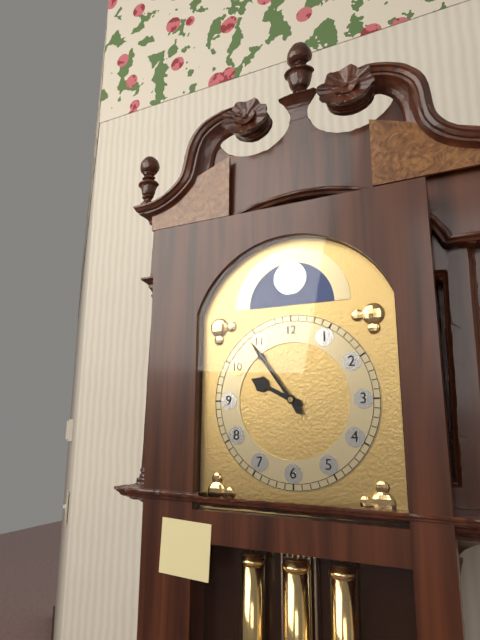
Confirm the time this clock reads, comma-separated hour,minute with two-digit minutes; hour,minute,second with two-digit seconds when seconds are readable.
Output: 9,54
